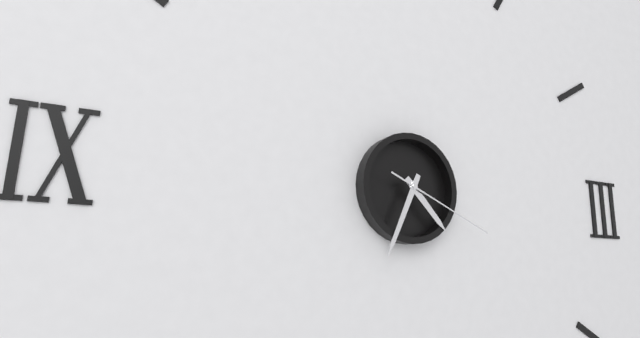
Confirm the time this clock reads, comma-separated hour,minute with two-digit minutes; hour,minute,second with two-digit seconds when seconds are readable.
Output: 4,34,19
